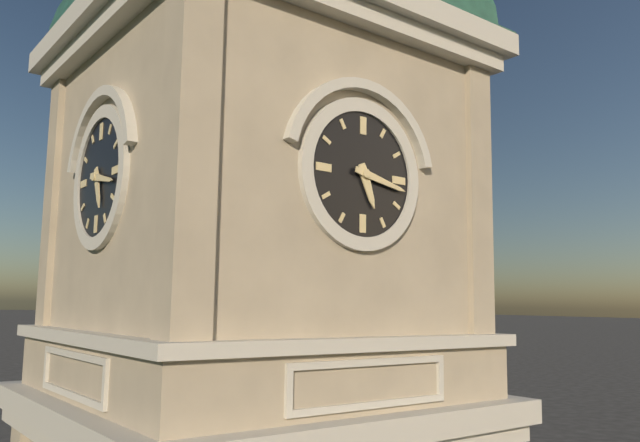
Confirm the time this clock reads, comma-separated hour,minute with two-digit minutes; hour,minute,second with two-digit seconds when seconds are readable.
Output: 5,17
